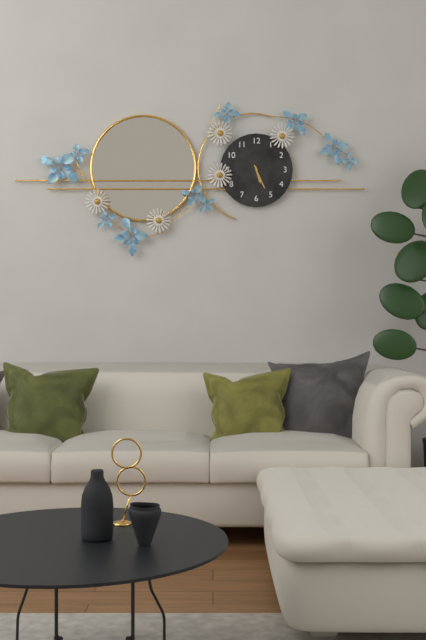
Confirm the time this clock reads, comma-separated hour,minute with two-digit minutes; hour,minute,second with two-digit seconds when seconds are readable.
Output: 5,26
